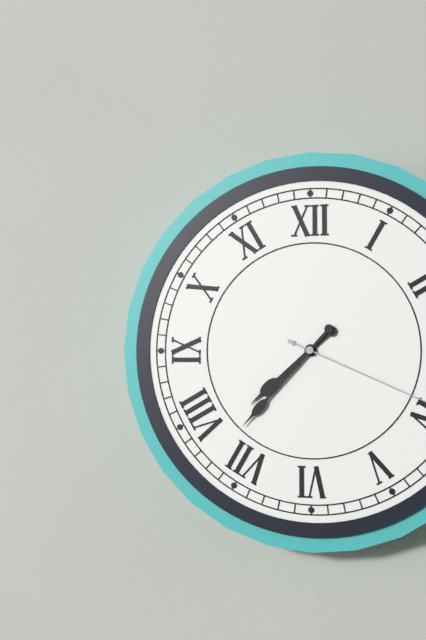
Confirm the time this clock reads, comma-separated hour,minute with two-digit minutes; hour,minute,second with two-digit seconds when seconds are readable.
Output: 7,37
